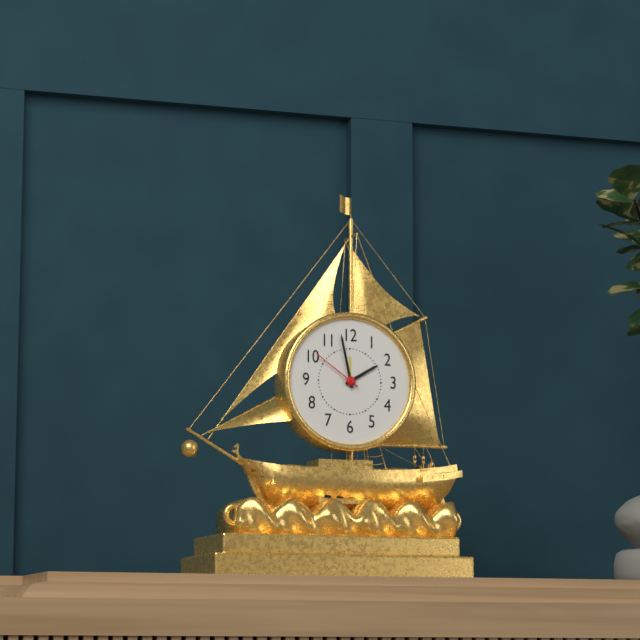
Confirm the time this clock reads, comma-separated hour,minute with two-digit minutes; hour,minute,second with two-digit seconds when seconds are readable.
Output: 1,58,51
